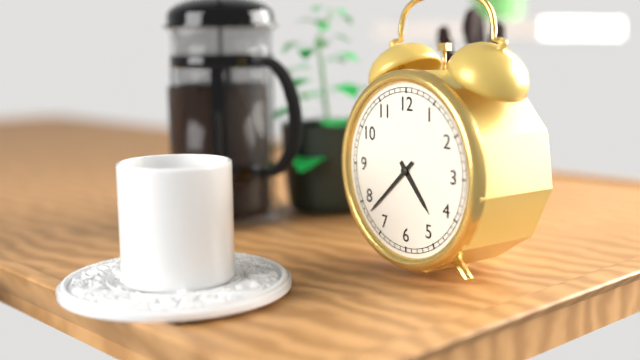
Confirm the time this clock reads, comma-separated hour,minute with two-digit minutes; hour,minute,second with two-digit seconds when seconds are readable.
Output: 4,38
